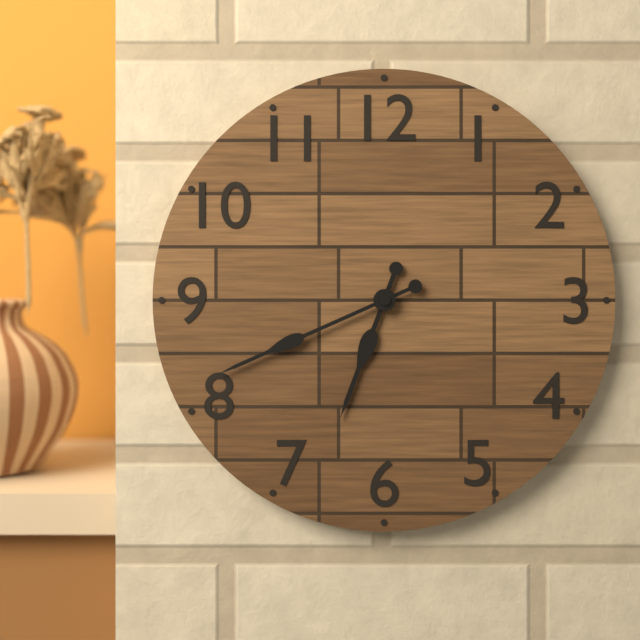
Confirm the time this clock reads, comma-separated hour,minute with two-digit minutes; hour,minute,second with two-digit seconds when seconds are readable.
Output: 6,41
